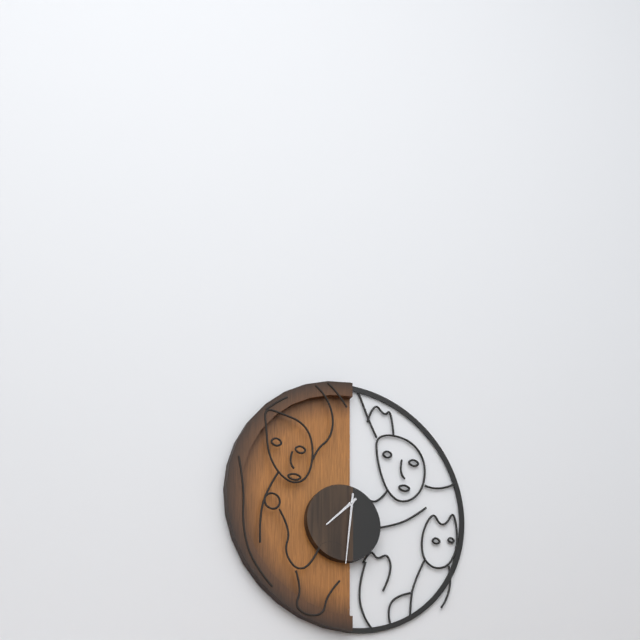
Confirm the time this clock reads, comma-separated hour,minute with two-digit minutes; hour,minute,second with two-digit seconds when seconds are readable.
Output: 7,31
